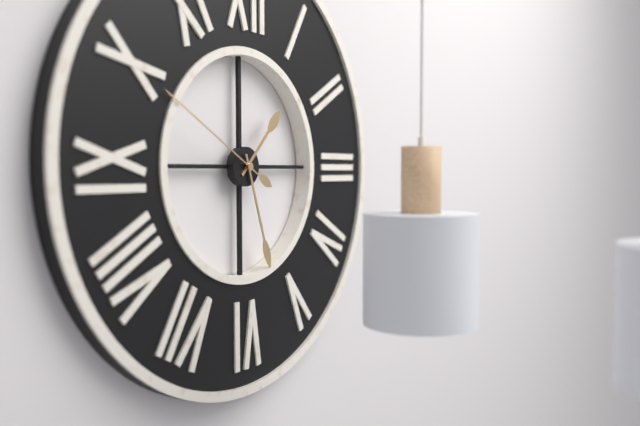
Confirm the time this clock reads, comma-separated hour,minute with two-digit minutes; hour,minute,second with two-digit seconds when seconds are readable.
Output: 1,27,50
